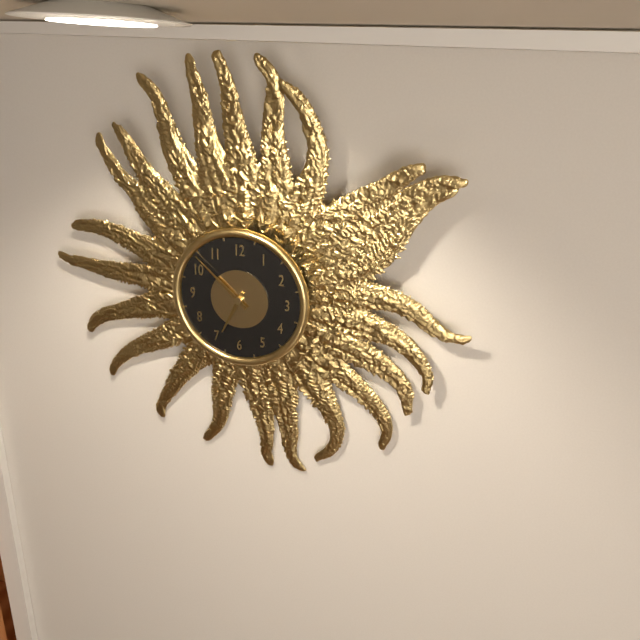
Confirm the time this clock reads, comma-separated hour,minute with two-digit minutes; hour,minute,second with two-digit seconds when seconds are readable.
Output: 6,52
